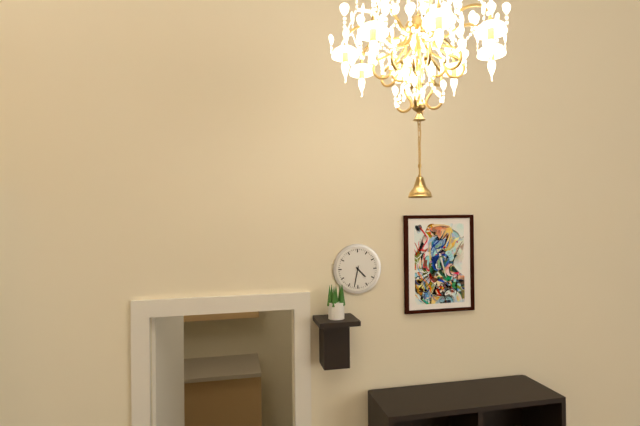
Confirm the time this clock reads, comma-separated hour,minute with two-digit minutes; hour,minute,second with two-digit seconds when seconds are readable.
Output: 4,32
